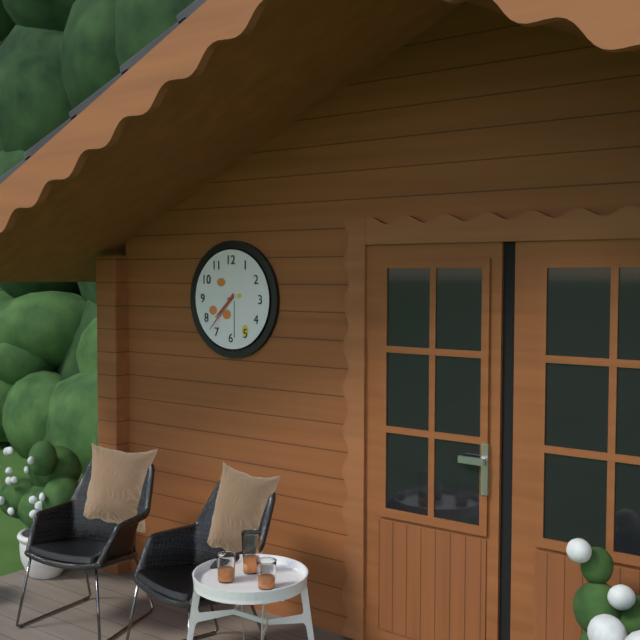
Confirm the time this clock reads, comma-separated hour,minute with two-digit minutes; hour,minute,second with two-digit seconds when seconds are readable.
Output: 7,37
